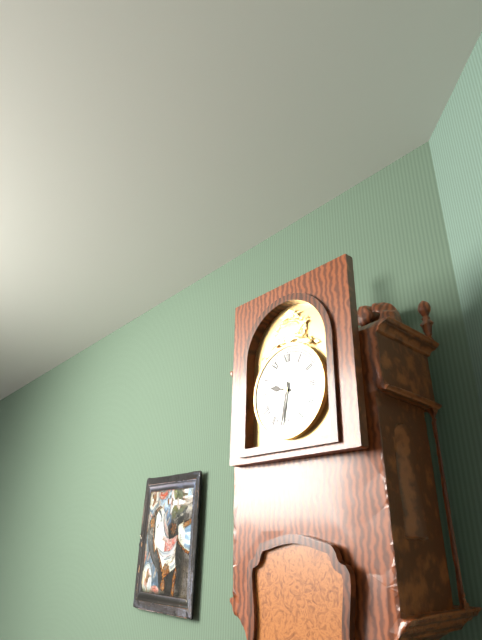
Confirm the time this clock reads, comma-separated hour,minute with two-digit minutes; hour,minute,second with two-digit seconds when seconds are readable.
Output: 9,32
